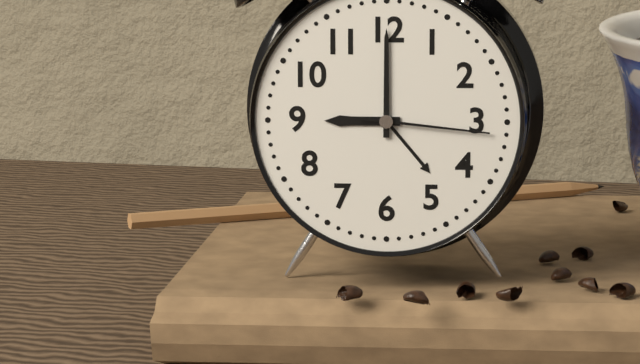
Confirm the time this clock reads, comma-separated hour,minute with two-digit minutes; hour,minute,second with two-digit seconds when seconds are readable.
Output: 9,00,16
